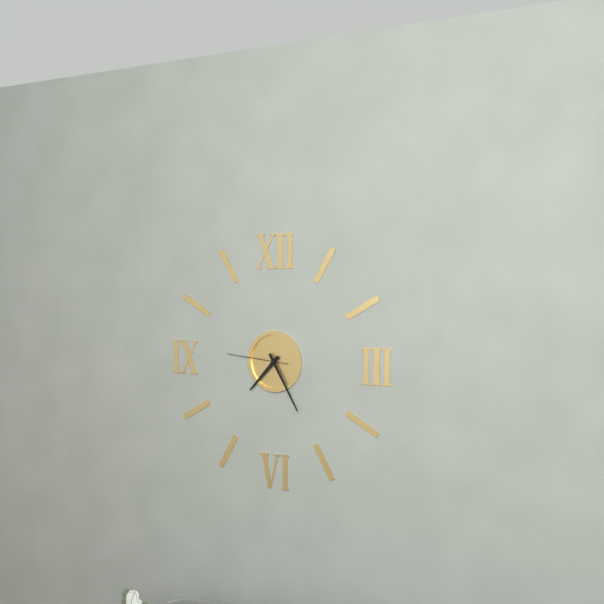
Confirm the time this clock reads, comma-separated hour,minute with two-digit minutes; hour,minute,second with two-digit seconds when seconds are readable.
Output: 7,25,46
